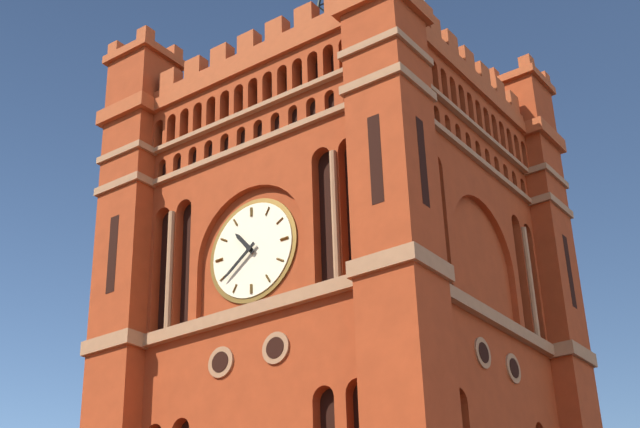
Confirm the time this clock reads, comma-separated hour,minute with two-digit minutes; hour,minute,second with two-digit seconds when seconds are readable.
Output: 10,39
